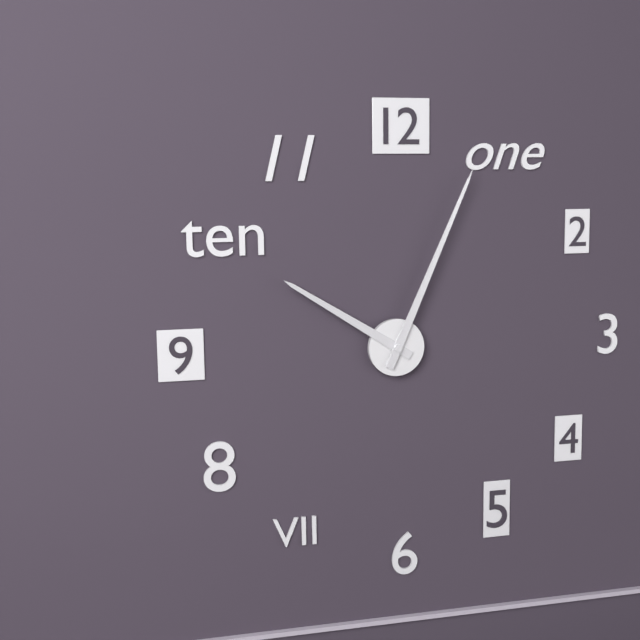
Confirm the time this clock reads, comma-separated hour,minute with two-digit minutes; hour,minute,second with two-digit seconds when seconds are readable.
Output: 10,04
